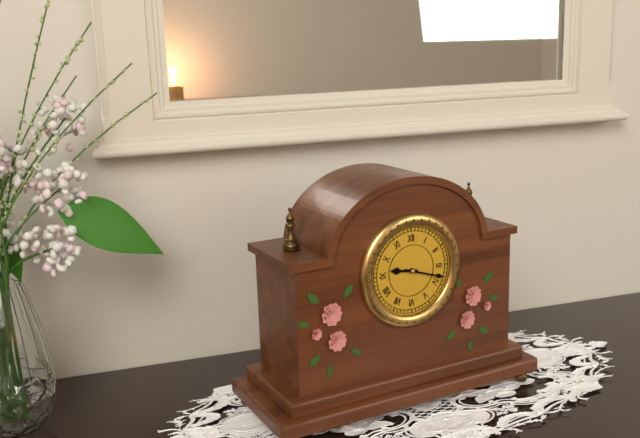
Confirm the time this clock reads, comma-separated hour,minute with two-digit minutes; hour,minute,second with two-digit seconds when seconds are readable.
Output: 9,18
